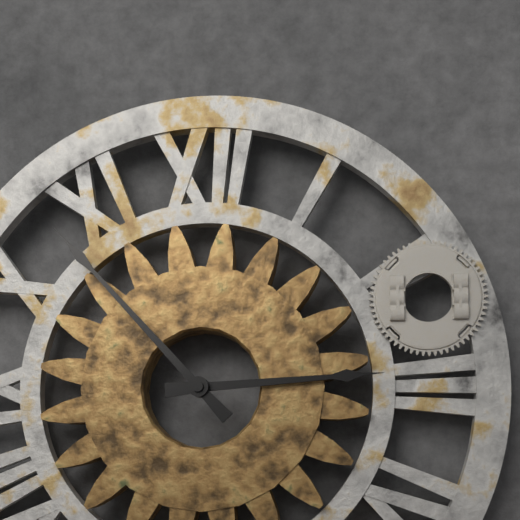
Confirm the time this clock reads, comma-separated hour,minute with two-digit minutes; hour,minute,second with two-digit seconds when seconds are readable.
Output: 2,53
